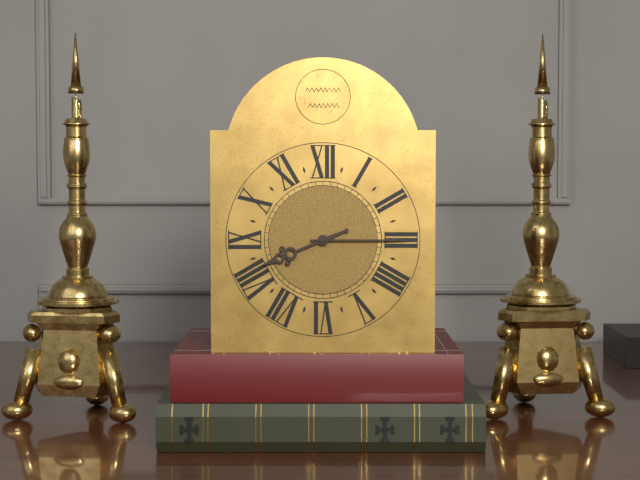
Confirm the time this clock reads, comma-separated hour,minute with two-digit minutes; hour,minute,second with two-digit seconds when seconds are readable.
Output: 8,15
